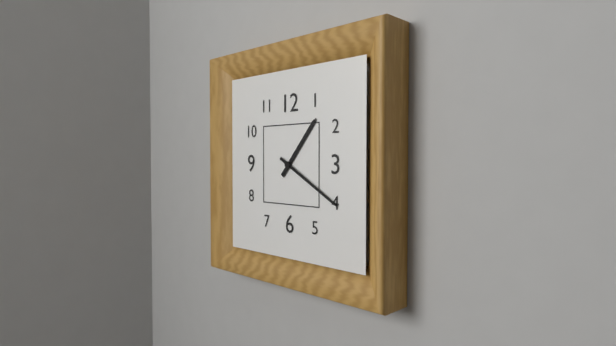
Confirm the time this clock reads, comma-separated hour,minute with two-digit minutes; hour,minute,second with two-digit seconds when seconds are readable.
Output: 1,20
